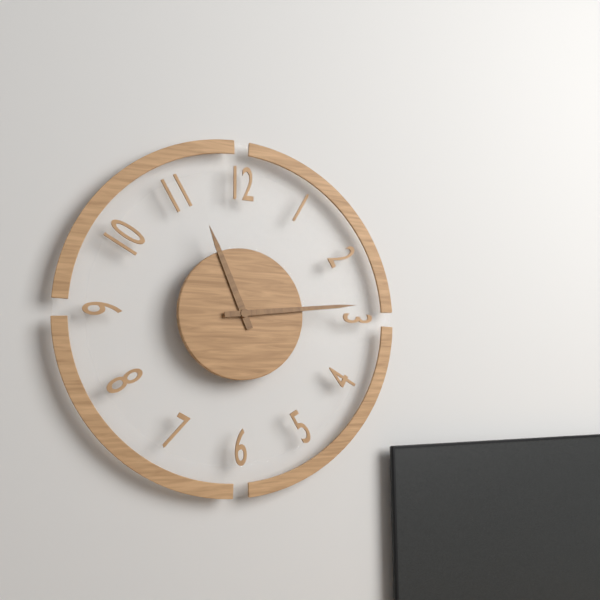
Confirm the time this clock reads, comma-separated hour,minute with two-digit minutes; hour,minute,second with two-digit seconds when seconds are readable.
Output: 11,14
